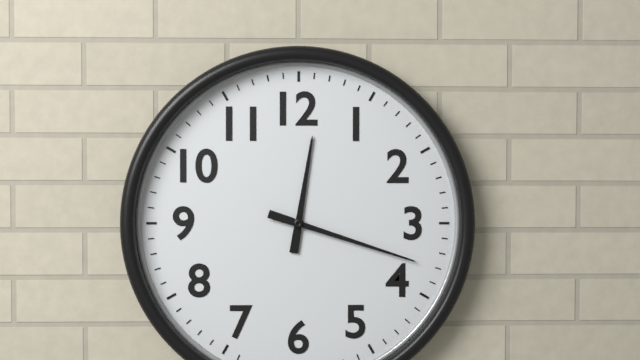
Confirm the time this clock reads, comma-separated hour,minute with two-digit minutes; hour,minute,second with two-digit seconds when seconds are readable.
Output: 12,18
